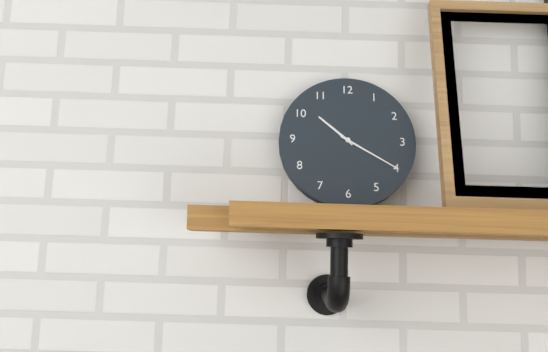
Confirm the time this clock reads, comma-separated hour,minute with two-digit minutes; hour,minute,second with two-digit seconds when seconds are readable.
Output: 10,20
